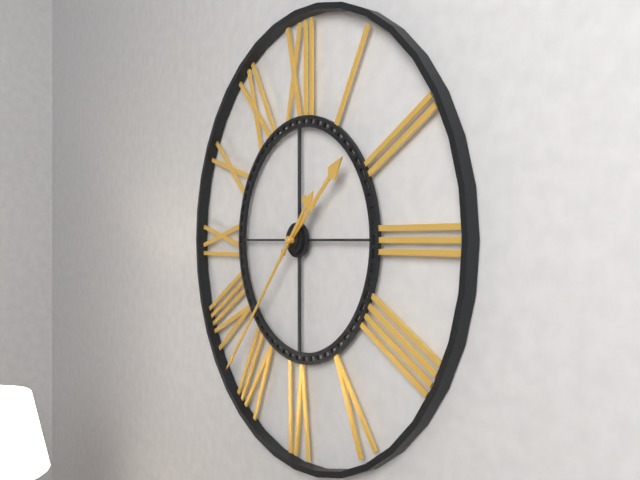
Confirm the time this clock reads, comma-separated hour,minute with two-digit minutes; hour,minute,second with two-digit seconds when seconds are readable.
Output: 1,37
